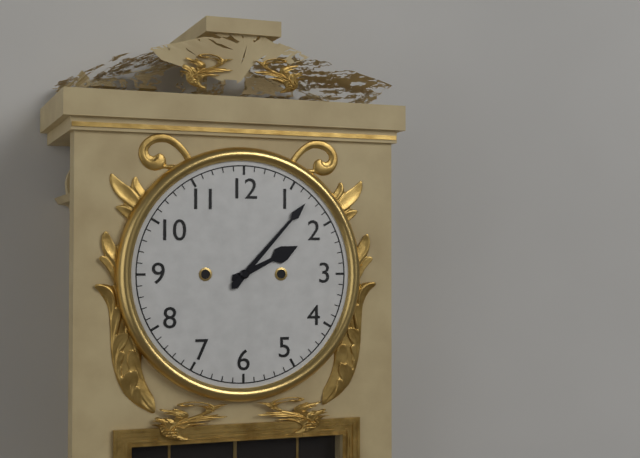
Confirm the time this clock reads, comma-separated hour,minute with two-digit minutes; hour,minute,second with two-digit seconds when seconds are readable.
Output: 2,07
